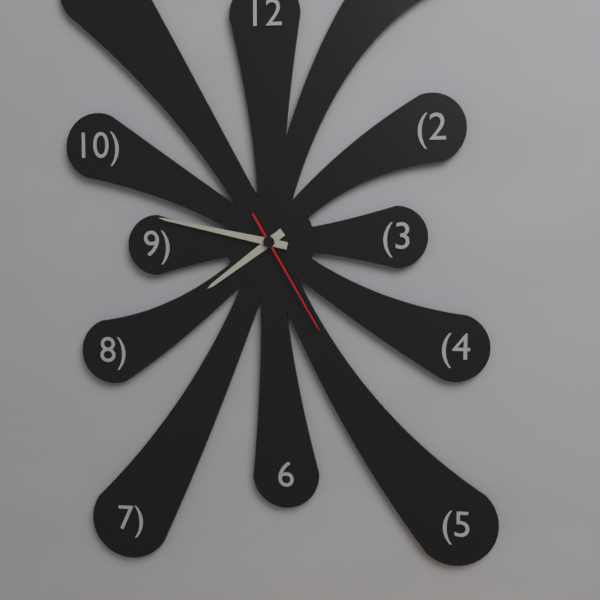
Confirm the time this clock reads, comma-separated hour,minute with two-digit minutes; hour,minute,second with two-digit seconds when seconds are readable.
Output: 7,47,25
